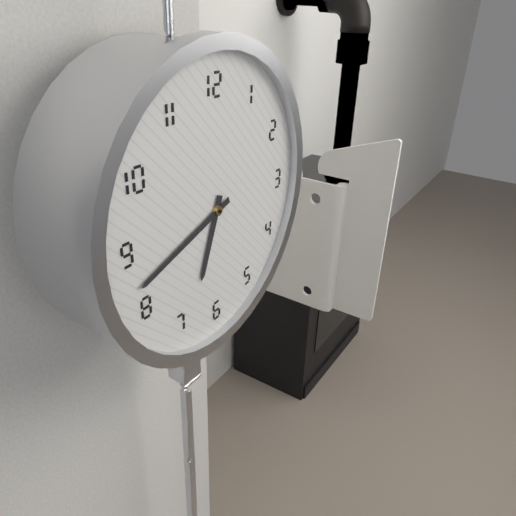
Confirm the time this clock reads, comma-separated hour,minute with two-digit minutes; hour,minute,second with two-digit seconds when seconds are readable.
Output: 6,42
